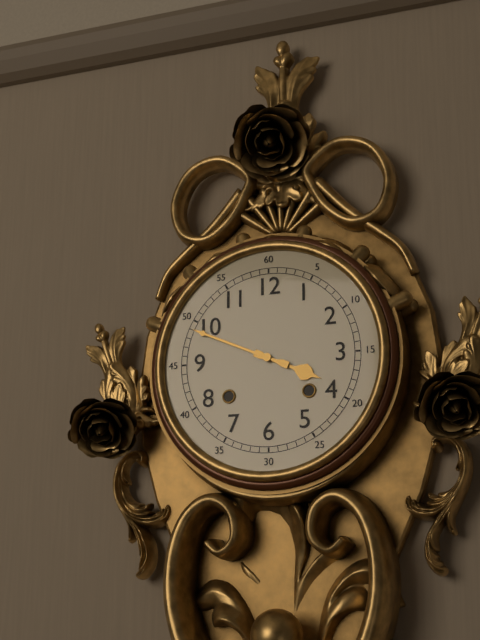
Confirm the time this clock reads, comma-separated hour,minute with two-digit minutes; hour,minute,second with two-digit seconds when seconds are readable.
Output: 3,49
